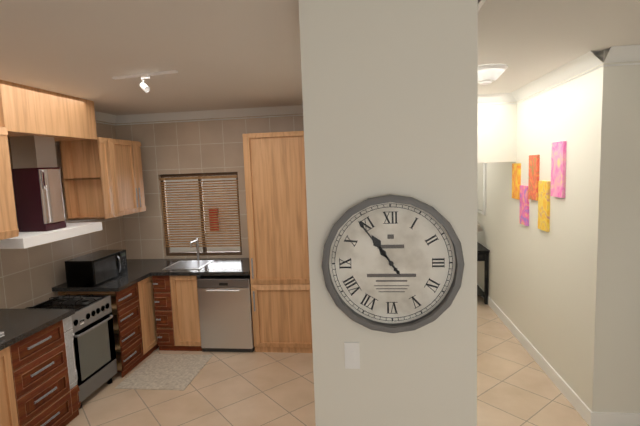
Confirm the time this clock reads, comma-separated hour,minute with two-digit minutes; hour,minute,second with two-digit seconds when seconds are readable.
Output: 10,54
